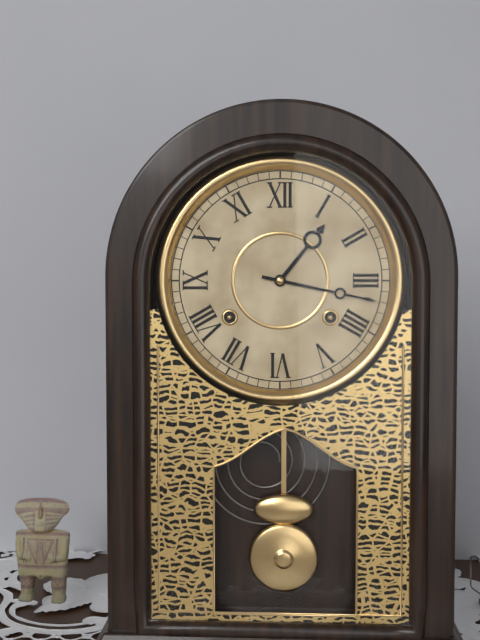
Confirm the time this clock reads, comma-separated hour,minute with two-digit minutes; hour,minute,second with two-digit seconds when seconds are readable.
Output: 1,17
